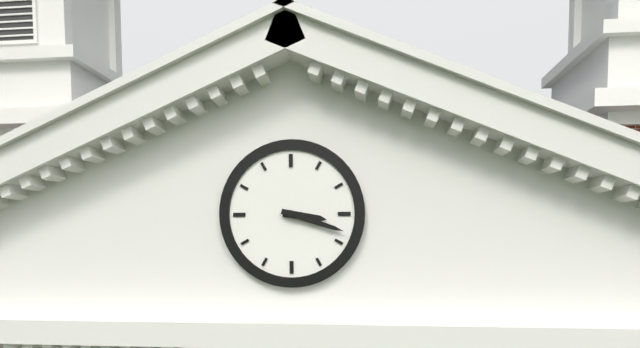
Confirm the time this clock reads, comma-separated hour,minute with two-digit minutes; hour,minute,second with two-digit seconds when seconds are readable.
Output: 3,18
